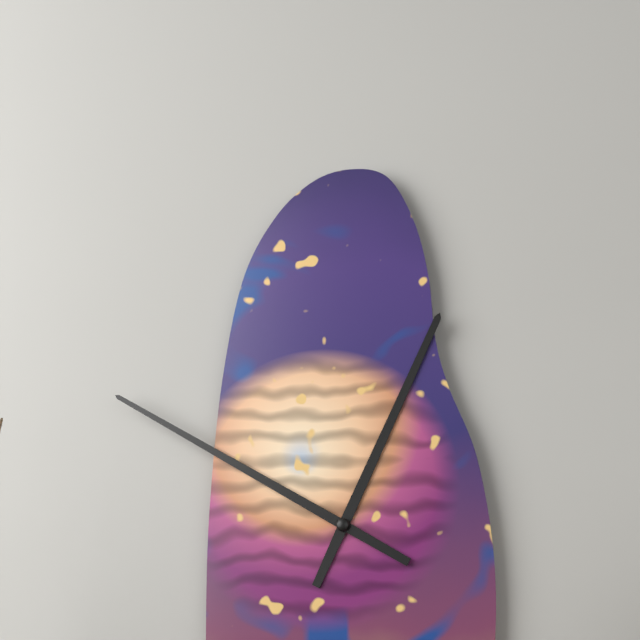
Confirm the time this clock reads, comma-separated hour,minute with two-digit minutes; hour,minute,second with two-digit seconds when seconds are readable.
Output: 12,50
